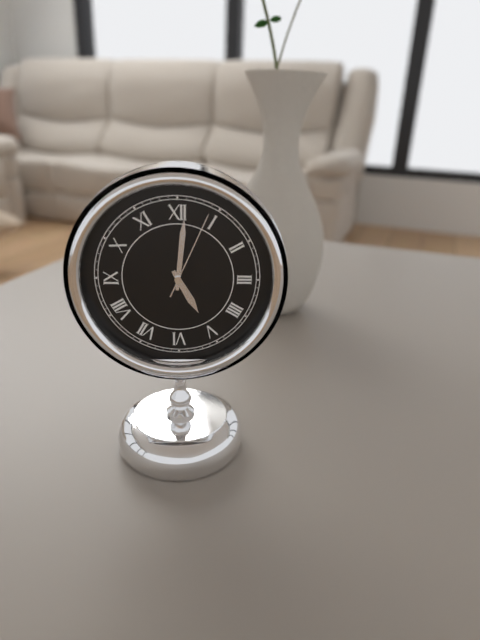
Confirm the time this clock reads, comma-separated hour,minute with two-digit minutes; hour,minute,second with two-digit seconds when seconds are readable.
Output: 5,01,04
